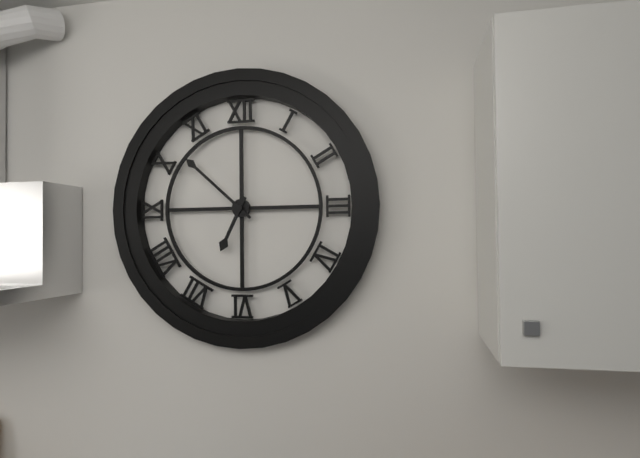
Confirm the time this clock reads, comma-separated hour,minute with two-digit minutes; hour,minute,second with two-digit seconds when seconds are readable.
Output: 6,52
